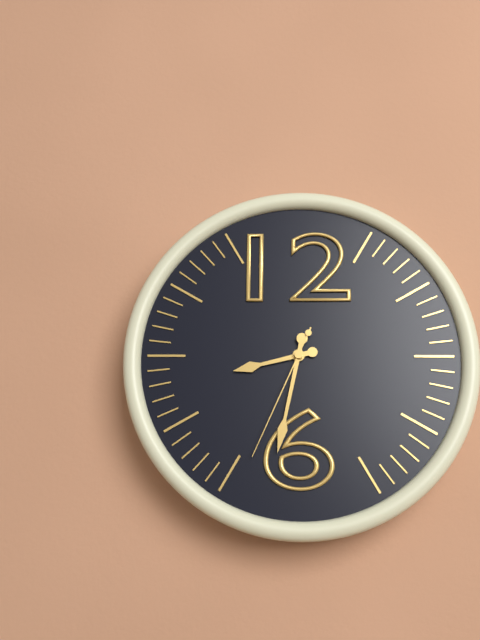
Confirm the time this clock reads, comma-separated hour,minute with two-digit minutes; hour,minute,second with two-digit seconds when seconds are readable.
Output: 8,32,34
